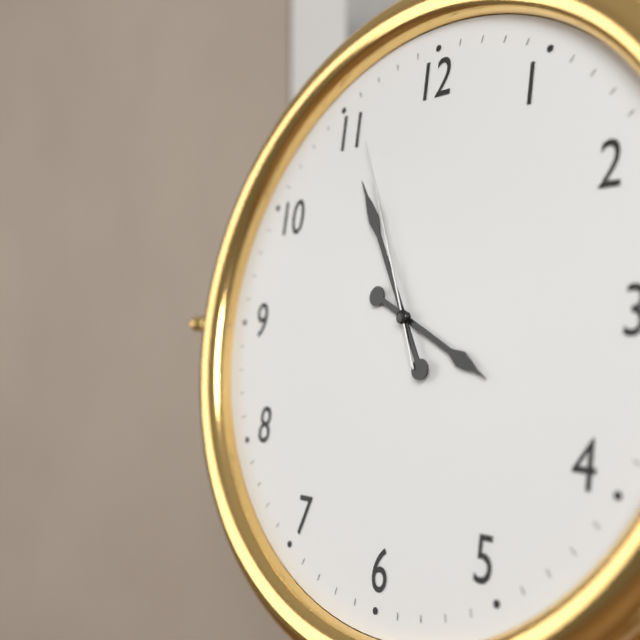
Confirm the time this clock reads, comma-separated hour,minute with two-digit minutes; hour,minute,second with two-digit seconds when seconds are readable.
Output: 3,55,56
